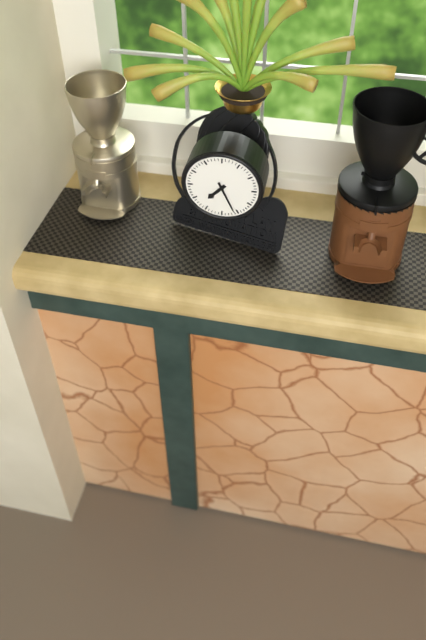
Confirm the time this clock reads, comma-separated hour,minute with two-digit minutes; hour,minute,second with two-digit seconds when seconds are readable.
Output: 7,26
